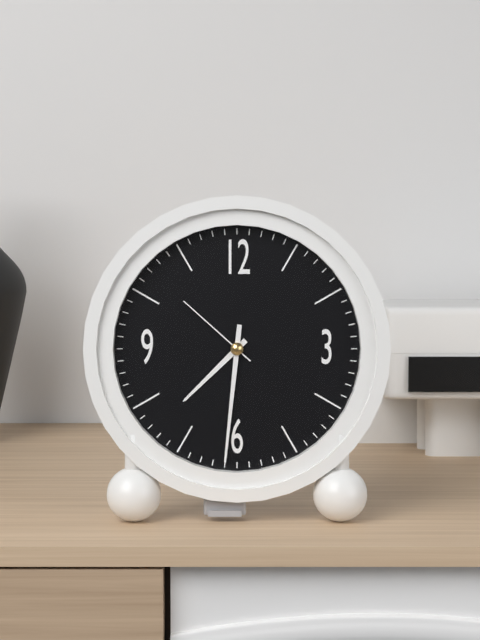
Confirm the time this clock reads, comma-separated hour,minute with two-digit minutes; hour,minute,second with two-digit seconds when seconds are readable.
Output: 7,31,52
